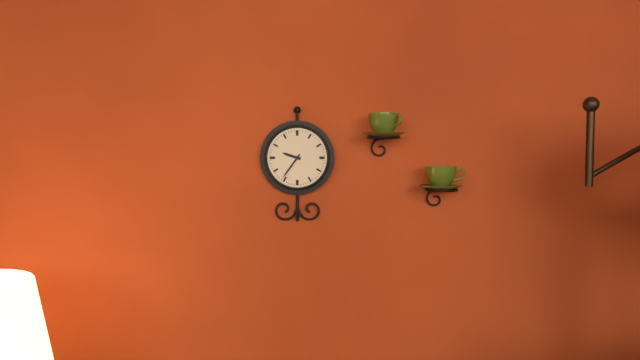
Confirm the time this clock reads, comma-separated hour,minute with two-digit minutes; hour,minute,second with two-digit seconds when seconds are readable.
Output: 9,36
